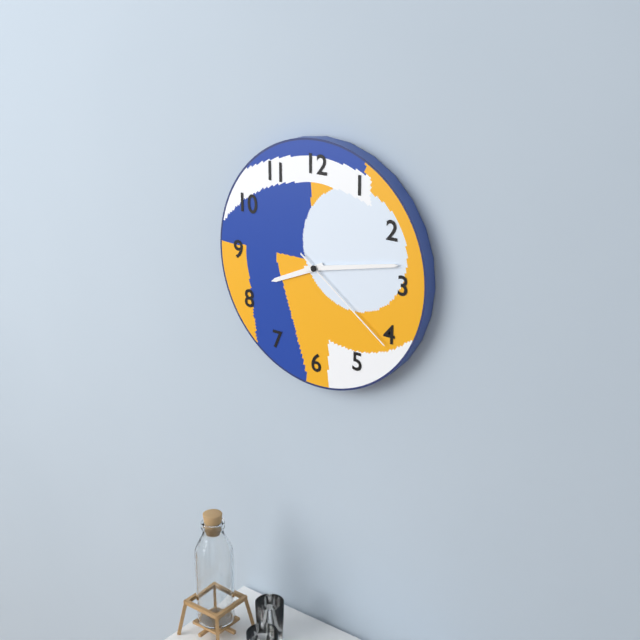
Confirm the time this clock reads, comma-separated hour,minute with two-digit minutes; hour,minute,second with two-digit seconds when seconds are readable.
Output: 8,13,21
